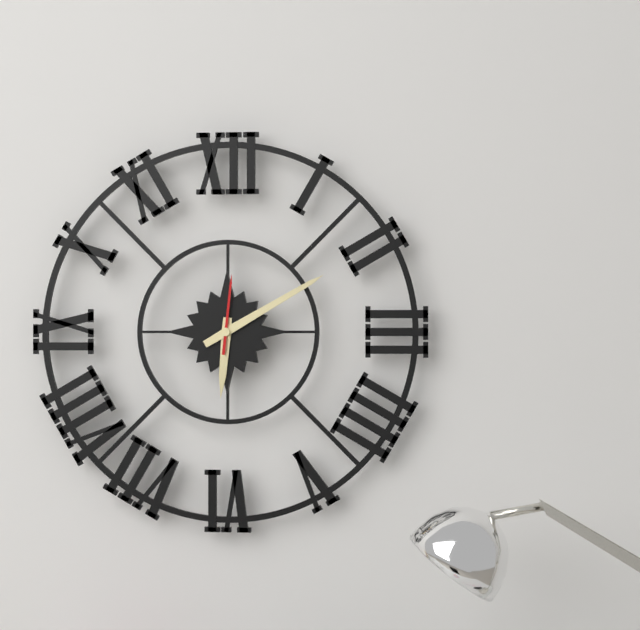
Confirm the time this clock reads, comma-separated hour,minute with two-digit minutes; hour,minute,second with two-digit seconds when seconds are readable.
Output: 6,10,01
